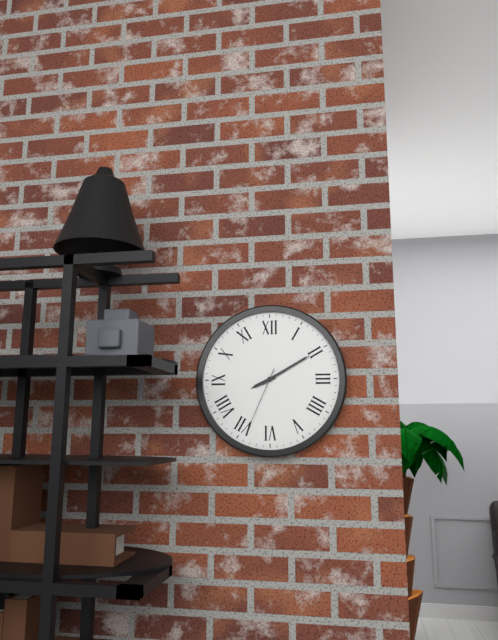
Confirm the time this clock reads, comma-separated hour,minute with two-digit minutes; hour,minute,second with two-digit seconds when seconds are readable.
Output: 8,10,34
